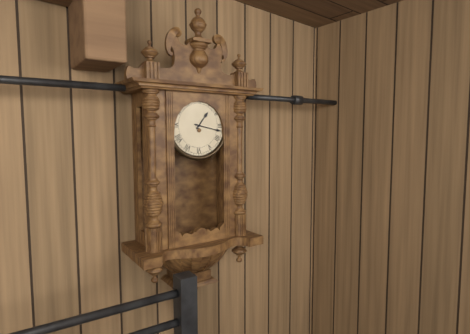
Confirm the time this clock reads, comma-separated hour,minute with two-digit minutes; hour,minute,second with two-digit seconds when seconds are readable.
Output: 1,17
